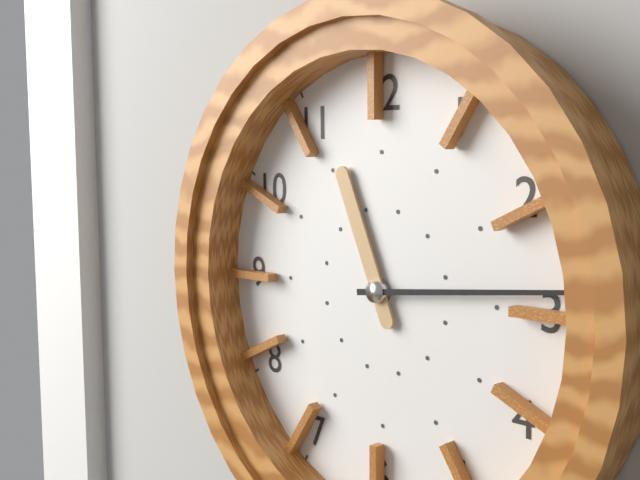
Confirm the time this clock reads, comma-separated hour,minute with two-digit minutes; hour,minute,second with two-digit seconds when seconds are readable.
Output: 11,14
